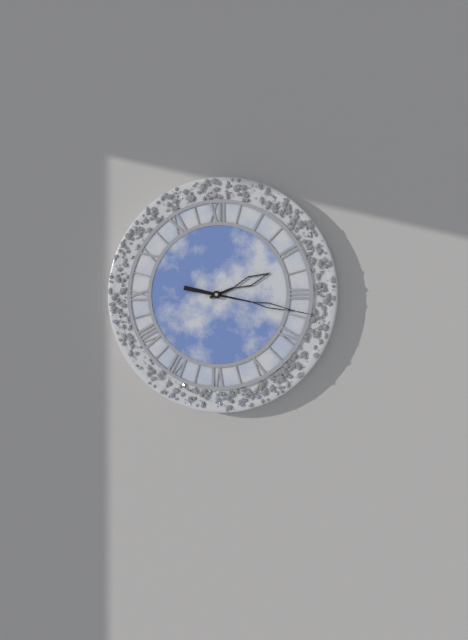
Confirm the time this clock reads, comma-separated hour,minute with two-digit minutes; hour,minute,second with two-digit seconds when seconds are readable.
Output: 2,17
